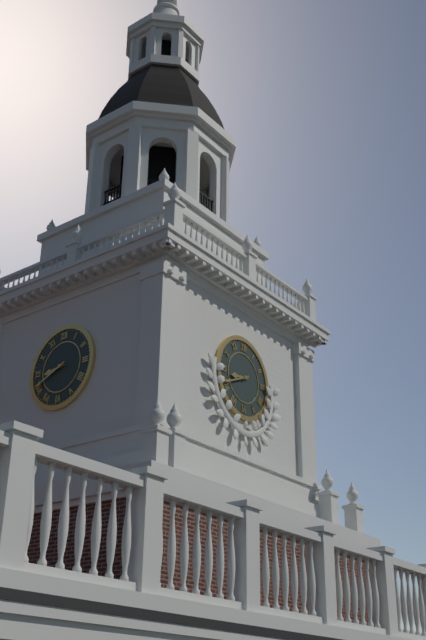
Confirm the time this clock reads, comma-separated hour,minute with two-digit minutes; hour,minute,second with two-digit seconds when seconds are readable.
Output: 8,41
